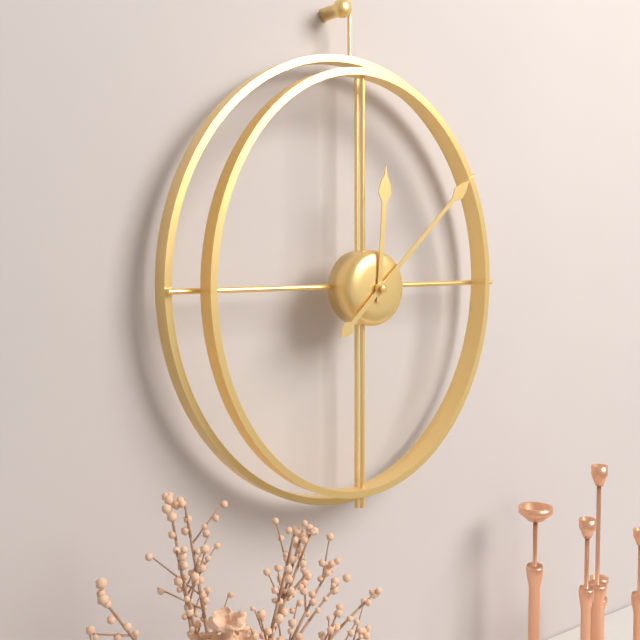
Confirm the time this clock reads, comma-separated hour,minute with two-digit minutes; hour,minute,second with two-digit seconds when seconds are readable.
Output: 12,08
